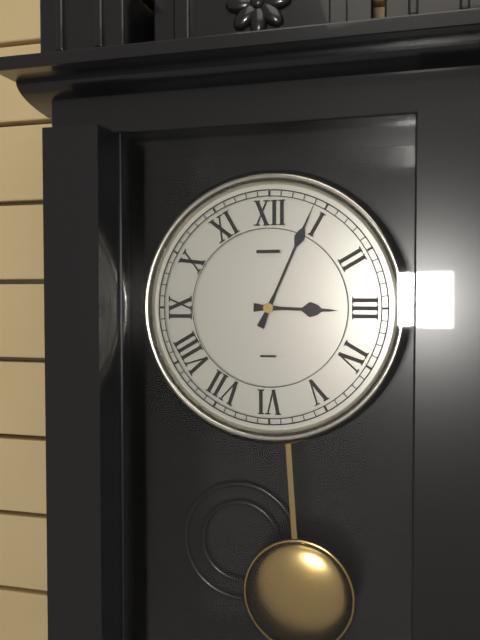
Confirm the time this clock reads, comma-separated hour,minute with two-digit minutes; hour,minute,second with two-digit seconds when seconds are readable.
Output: 3,04
